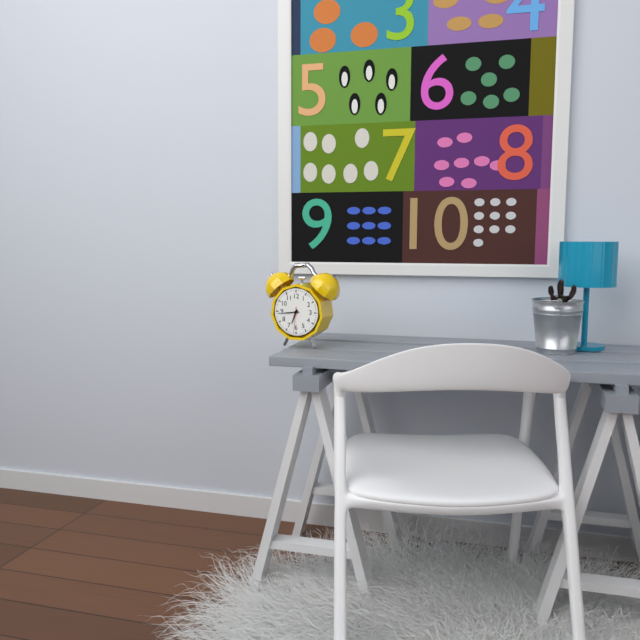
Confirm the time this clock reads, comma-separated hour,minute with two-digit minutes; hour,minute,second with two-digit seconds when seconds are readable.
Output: 6,44
